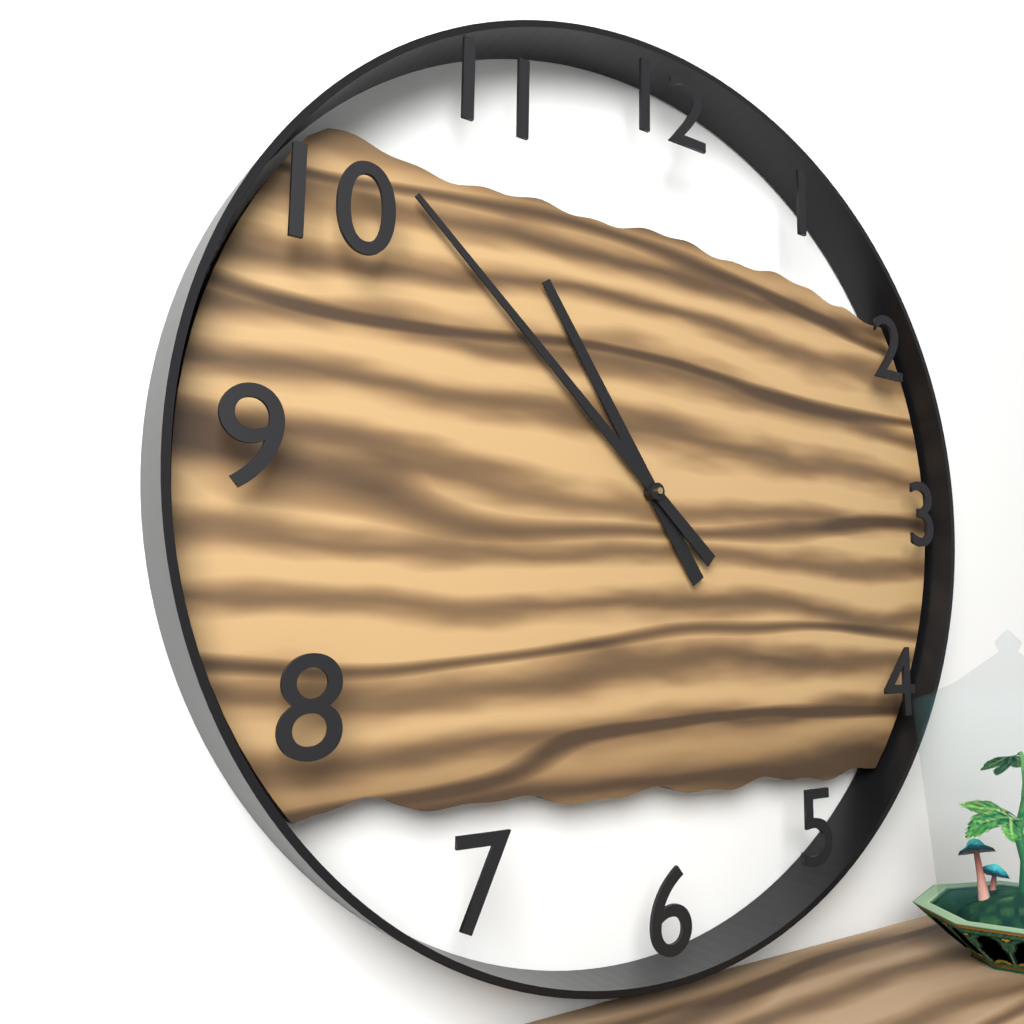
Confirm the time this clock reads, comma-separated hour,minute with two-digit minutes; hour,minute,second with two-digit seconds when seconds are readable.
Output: 10,52
